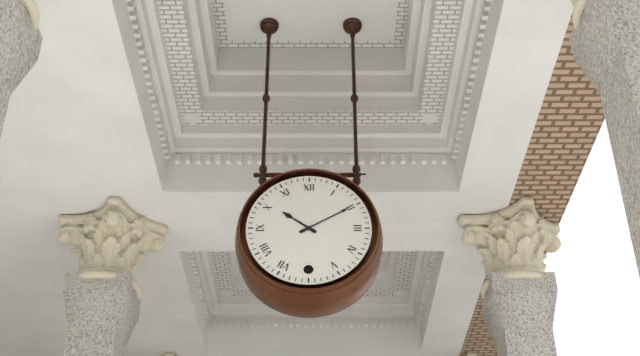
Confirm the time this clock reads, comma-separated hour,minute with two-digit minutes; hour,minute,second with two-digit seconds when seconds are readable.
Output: 10,10
